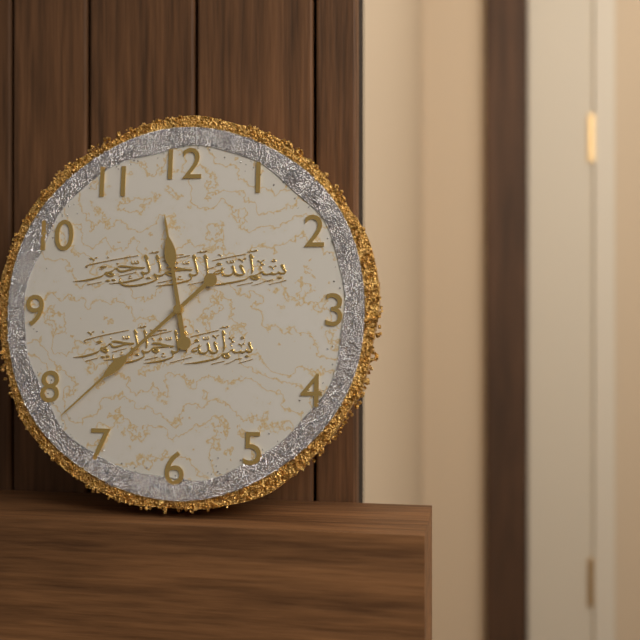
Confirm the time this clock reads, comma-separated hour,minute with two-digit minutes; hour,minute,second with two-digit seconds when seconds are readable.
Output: 11,38
